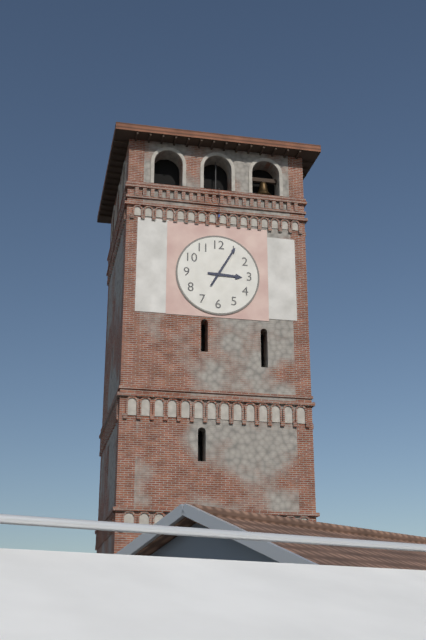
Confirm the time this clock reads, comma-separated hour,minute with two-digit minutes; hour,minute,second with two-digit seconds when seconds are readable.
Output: 3,05
